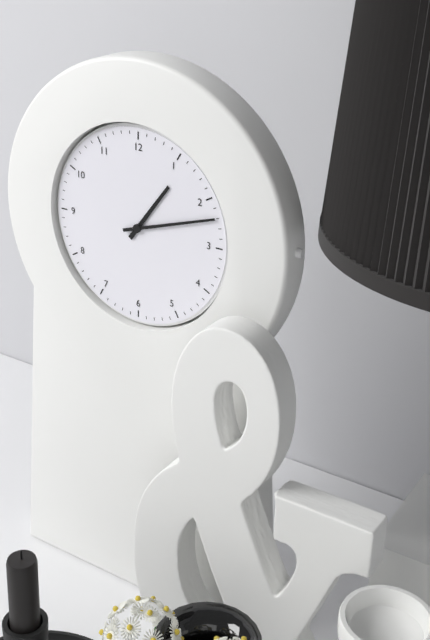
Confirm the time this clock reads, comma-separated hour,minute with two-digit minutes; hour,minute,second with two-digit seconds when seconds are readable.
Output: 1,12
